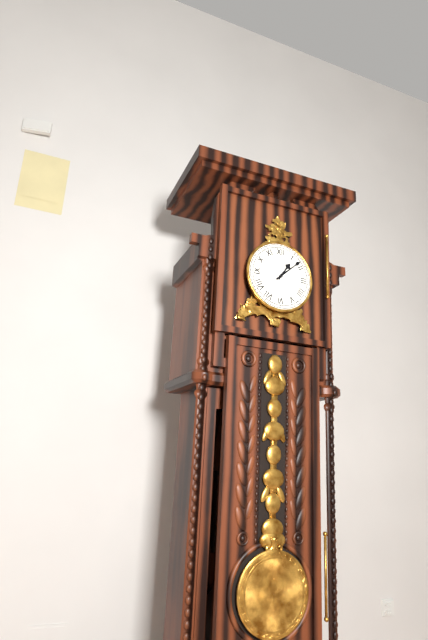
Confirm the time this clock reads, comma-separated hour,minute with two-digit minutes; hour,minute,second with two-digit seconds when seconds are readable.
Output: 1,08
